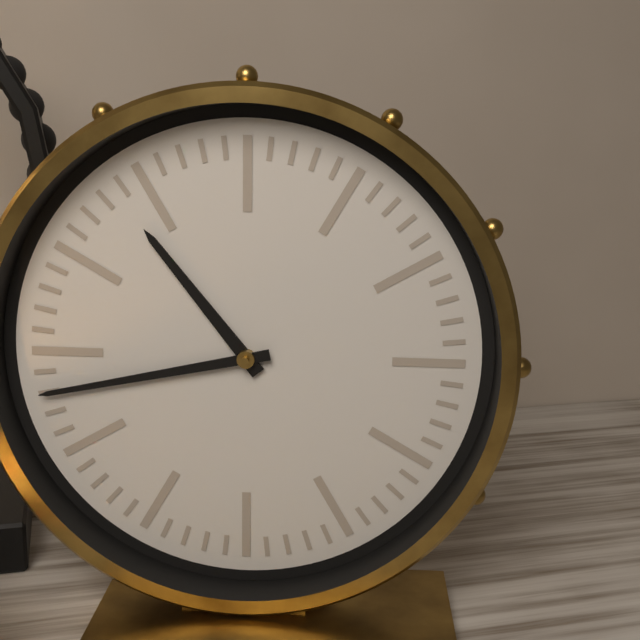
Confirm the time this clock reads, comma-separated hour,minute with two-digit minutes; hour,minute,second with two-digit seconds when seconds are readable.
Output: 10,43
